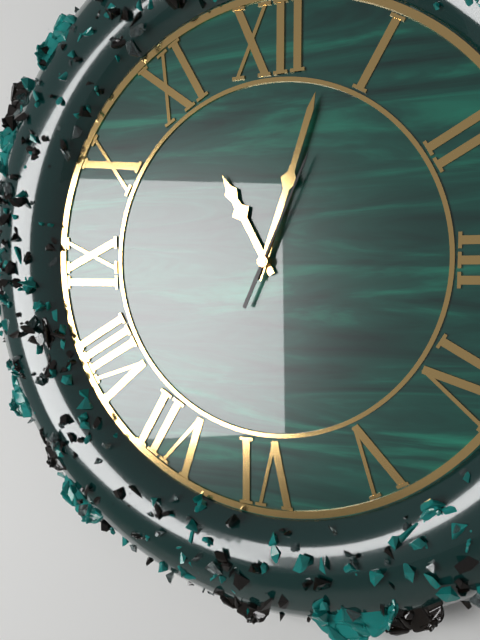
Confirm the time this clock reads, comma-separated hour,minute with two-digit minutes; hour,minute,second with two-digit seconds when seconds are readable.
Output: 11,03,04
